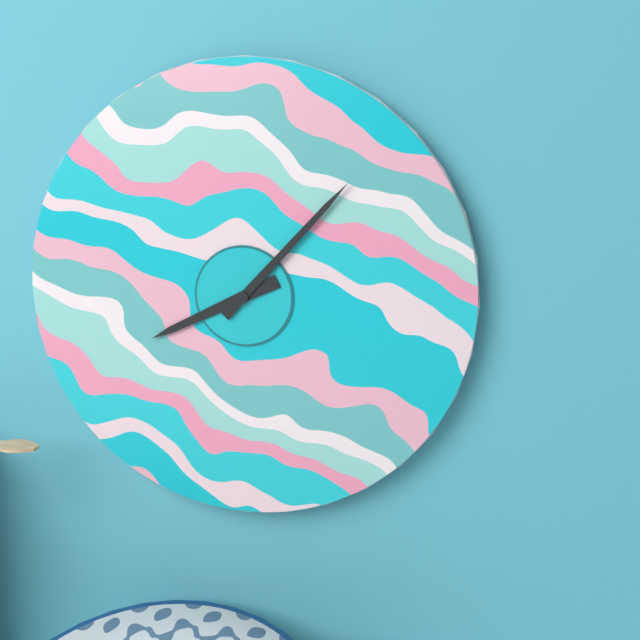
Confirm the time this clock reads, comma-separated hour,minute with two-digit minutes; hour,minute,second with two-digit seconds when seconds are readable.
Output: 8,07
